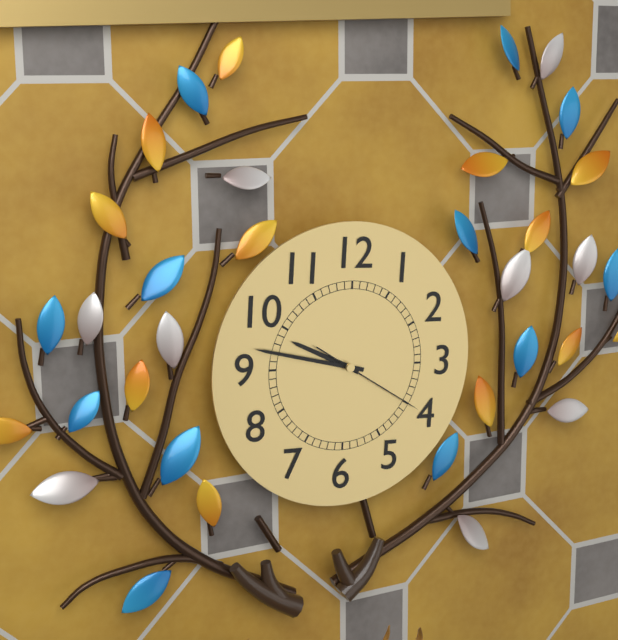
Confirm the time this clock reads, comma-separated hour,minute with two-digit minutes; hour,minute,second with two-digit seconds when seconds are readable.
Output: 9,47,20
